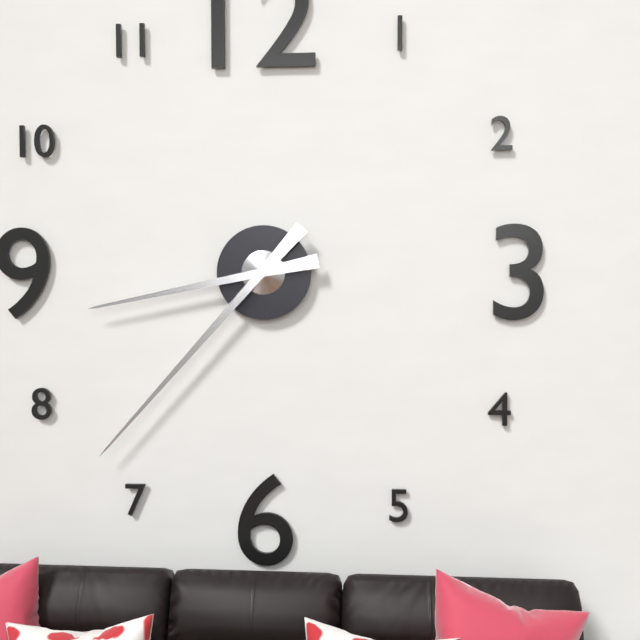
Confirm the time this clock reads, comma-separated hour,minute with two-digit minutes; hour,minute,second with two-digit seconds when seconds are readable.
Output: 8,37
